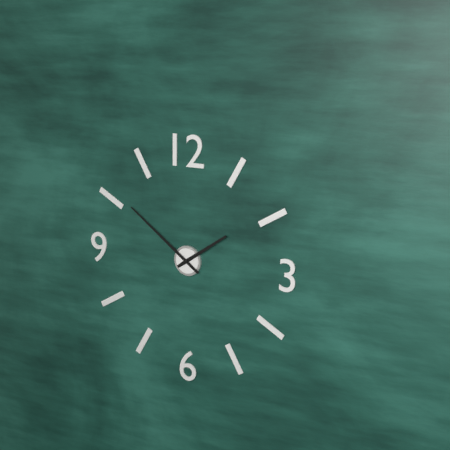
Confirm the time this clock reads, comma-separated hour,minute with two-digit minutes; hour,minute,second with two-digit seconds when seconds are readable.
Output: 1,51
